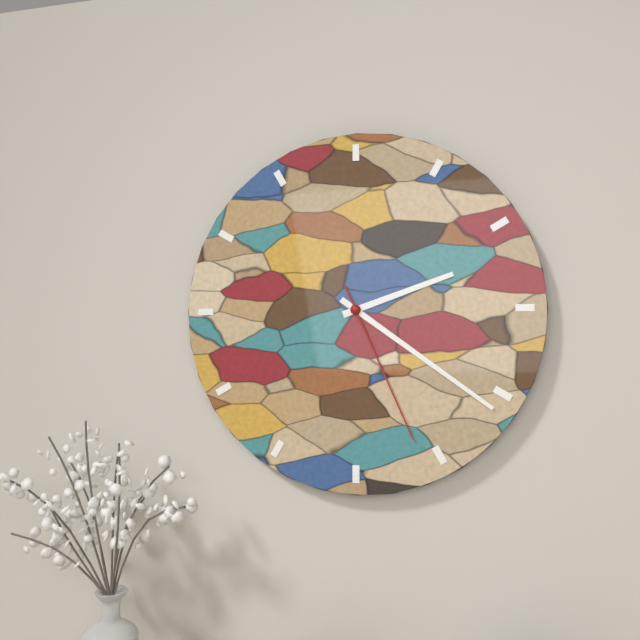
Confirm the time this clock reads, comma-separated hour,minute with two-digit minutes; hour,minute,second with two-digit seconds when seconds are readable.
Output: 2,21,26
